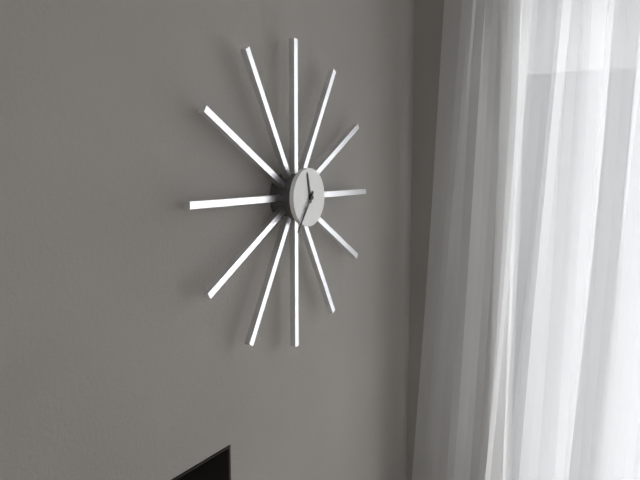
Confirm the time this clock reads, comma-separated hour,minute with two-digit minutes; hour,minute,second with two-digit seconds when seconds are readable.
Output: 11,36
